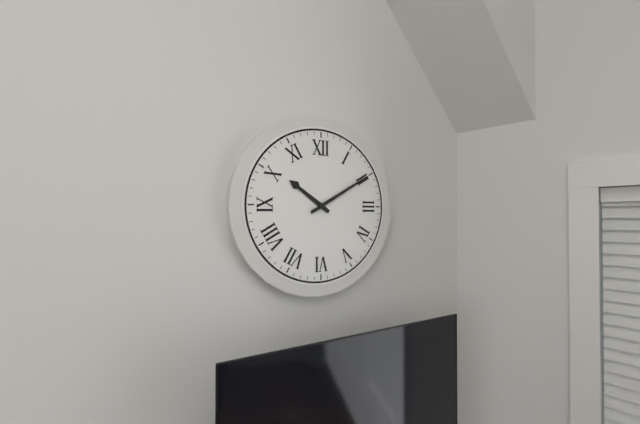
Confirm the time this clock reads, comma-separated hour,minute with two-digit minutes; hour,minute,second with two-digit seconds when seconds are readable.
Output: 10,10
